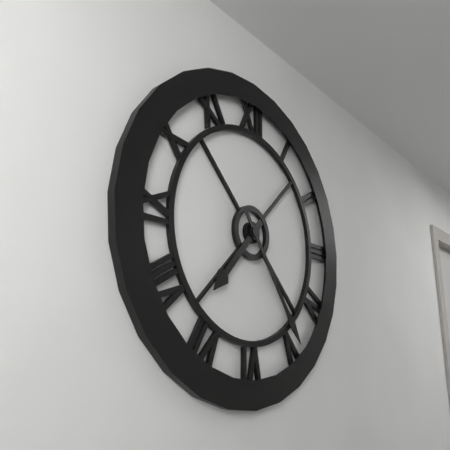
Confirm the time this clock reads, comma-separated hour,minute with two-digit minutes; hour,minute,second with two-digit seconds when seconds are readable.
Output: 7,24
